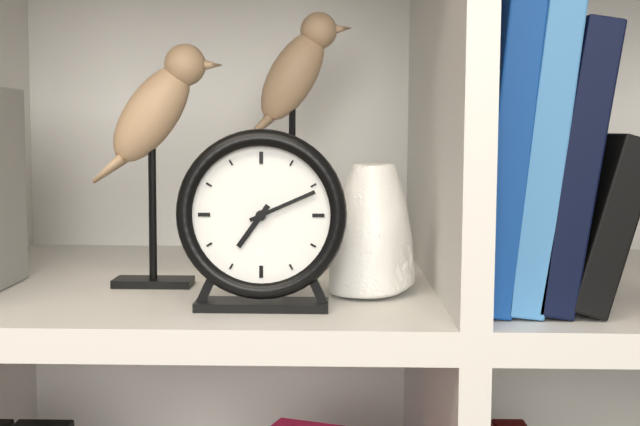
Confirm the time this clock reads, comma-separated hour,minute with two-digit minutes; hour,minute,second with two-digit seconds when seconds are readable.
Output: 7,11
